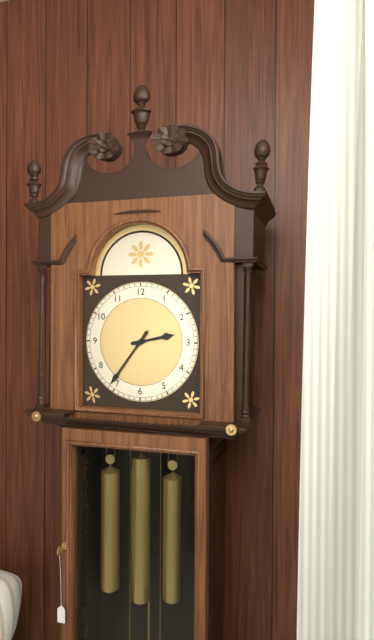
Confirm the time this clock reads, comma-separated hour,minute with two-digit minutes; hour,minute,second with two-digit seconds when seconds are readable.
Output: 2,36
